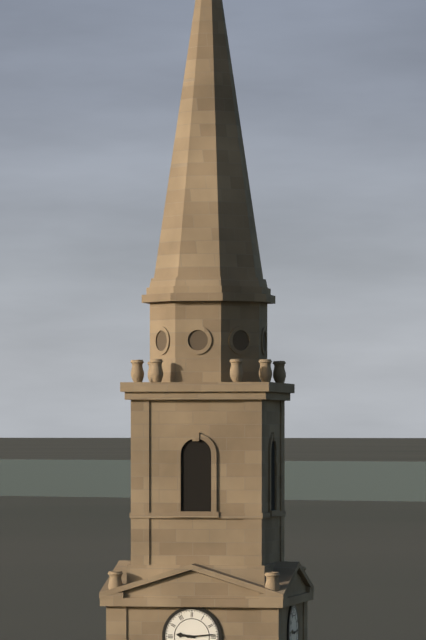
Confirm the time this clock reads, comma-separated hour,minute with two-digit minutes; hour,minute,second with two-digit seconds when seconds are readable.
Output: 9,14
